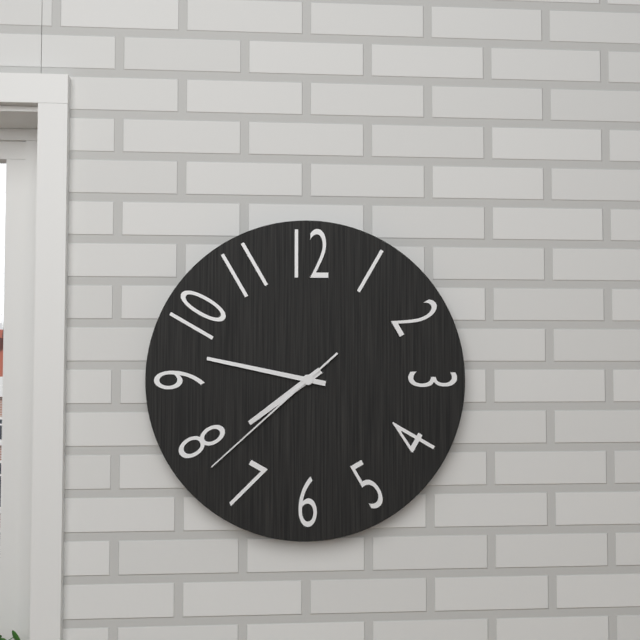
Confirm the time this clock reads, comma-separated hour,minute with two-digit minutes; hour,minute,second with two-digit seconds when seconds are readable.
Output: 7,47,38
